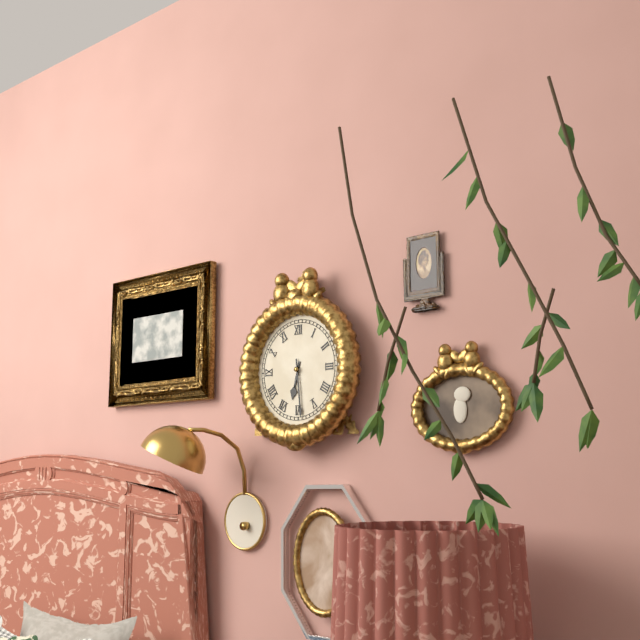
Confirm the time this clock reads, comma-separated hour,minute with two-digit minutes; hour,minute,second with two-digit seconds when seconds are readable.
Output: 6,29
